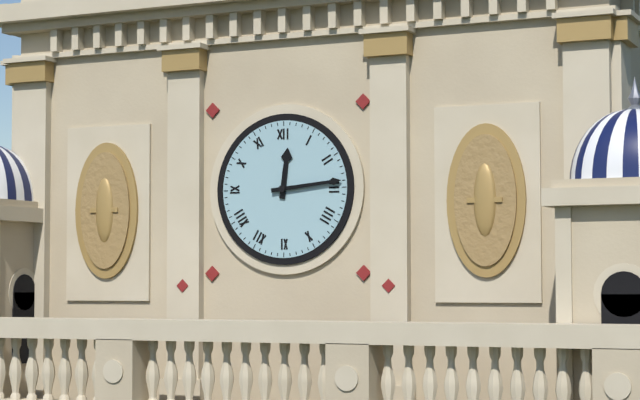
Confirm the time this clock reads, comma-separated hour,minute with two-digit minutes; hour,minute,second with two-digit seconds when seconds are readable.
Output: 12,14
